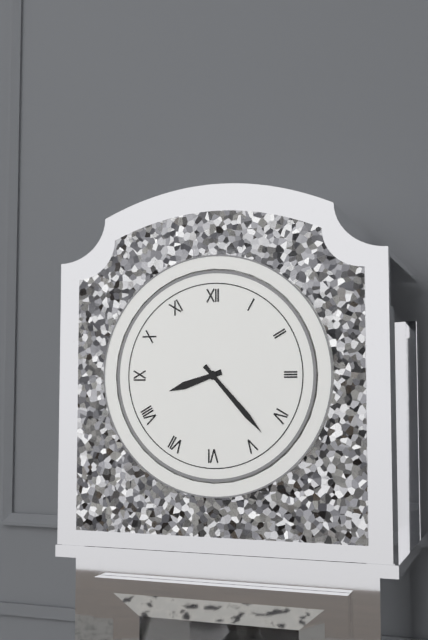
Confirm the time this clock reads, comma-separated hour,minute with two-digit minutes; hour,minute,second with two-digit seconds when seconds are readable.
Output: 8,23
